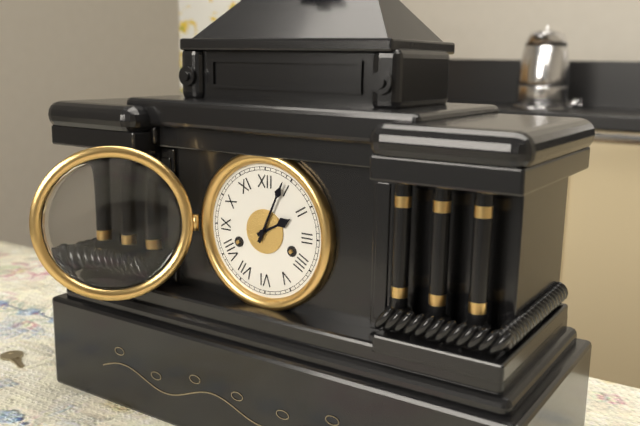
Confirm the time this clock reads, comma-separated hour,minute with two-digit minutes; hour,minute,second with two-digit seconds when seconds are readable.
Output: 2,04
